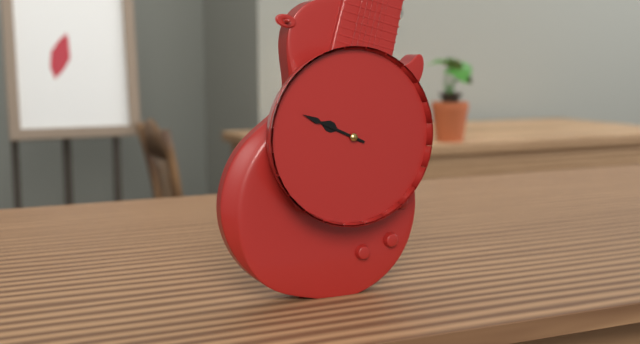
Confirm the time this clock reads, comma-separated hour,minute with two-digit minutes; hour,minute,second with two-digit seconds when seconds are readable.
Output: 9,49
